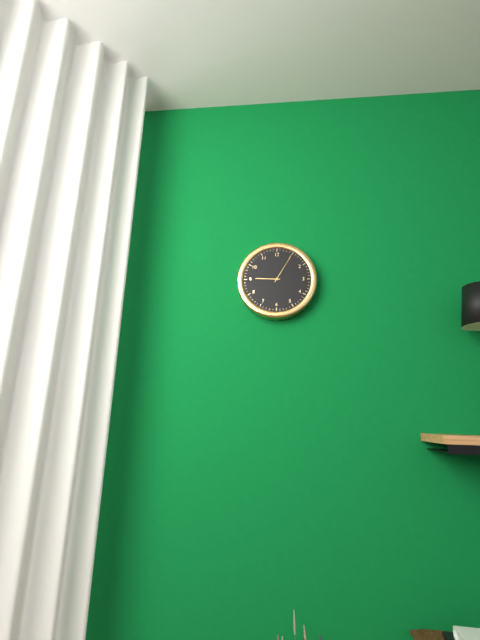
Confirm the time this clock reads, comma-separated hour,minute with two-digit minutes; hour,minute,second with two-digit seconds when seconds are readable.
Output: 9,05
